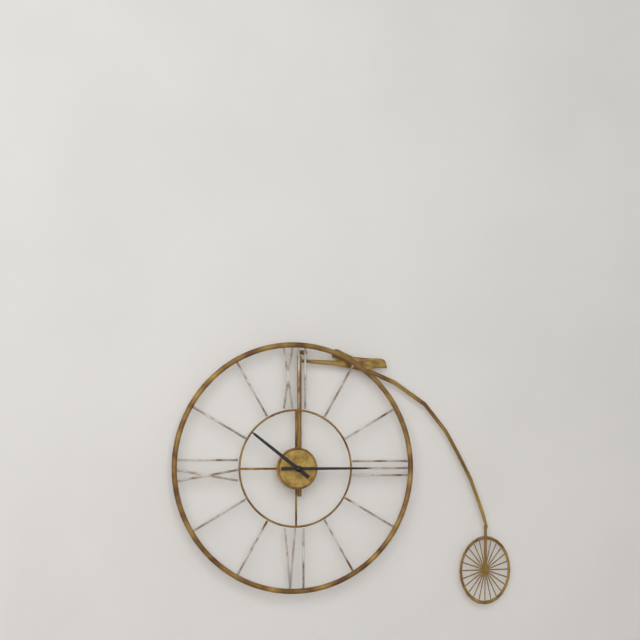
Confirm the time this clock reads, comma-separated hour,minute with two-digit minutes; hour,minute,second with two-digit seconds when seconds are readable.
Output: 10,15
